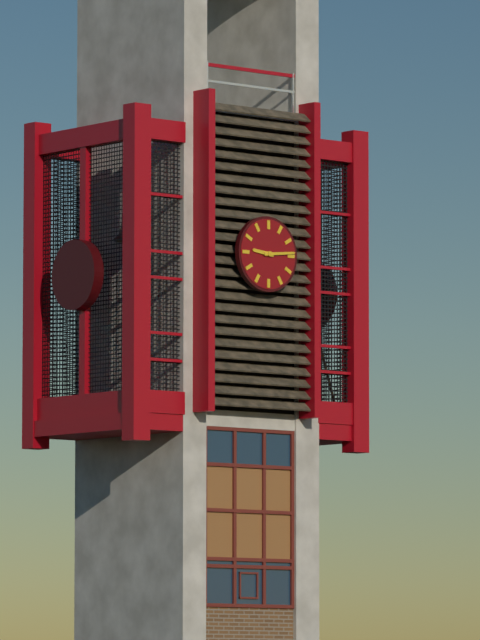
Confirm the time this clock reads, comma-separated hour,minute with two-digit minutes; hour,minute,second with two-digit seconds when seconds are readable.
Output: 9,14
